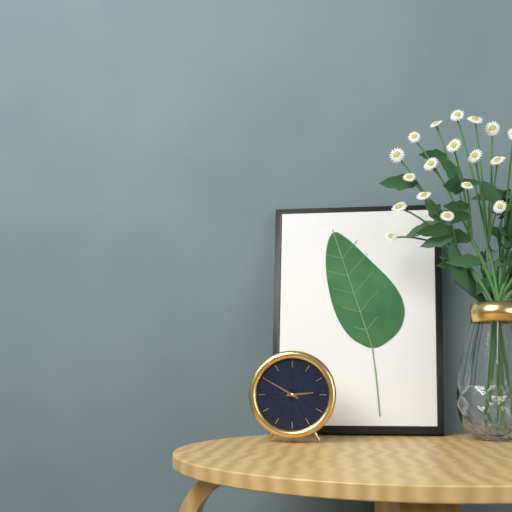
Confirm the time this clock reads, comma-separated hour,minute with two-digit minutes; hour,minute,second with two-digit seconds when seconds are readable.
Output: 2,50
